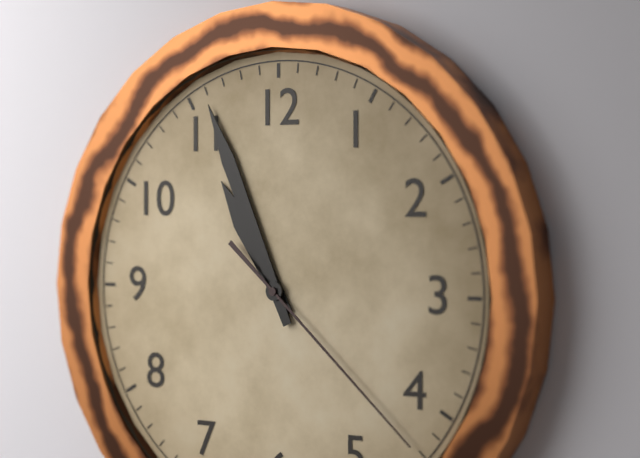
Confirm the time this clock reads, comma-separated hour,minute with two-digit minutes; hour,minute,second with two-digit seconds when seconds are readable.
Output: 10,56,22
